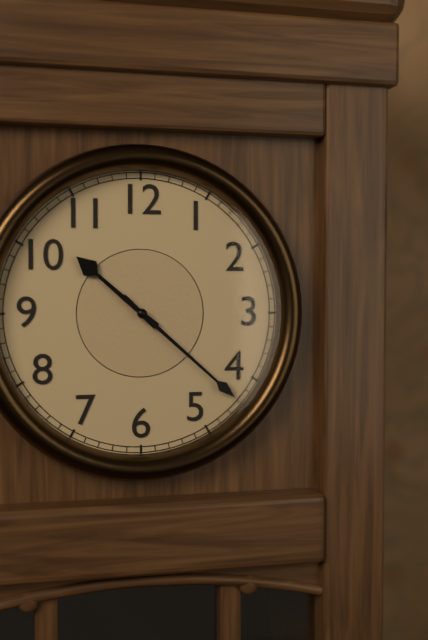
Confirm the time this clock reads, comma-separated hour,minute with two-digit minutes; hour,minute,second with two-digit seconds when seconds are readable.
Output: 10,22
